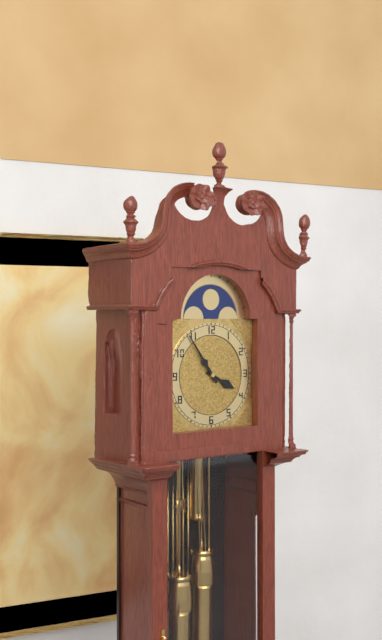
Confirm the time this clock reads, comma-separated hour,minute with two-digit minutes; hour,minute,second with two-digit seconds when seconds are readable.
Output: 3,54
